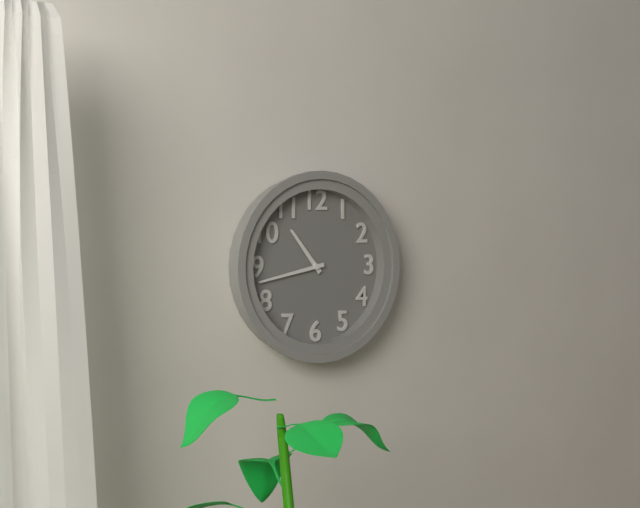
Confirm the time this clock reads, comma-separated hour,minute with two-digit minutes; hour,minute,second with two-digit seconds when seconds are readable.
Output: 10,43
